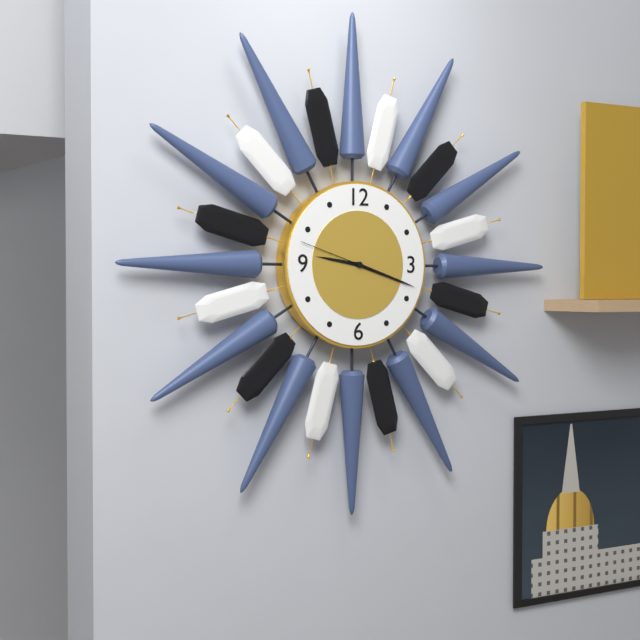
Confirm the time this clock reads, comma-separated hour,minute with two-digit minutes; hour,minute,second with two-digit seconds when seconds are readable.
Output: 9,18,48
